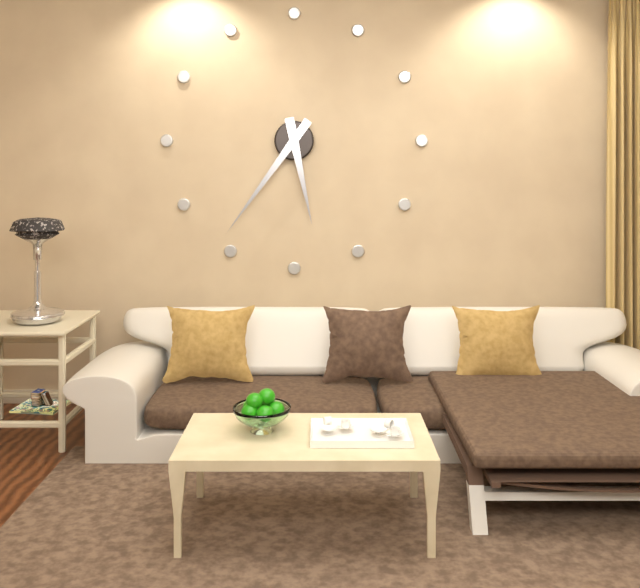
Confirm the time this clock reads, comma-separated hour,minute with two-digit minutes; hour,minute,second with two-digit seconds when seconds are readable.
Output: 5,36
